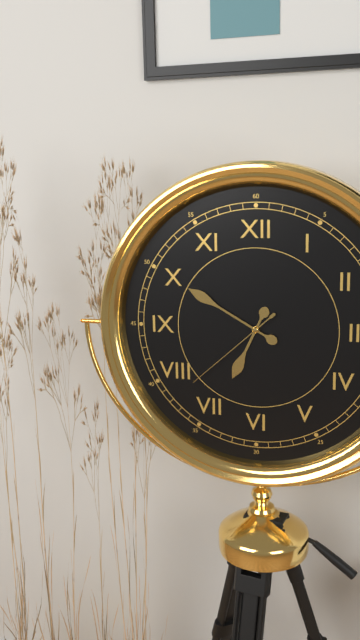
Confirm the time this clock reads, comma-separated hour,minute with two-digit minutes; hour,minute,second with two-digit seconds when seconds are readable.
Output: 6,50,38
